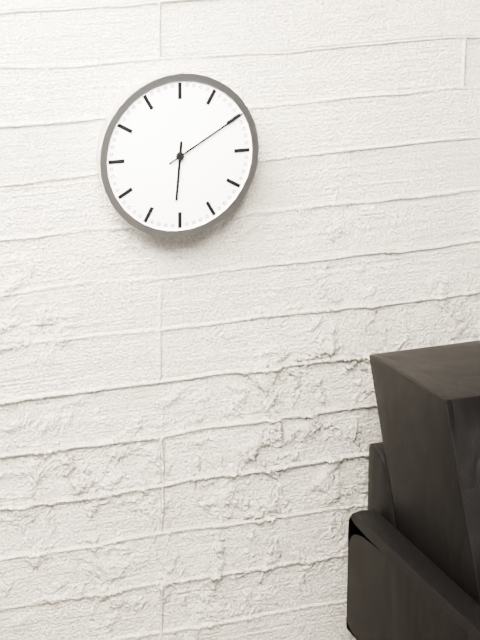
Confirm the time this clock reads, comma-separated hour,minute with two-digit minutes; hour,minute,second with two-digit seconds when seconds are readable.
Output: 6,10
